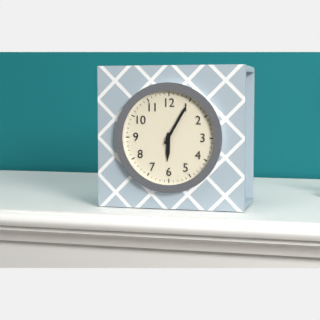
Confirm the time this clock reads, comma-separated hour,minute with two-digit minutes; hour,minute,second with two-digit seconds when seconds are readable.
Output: 6,05
